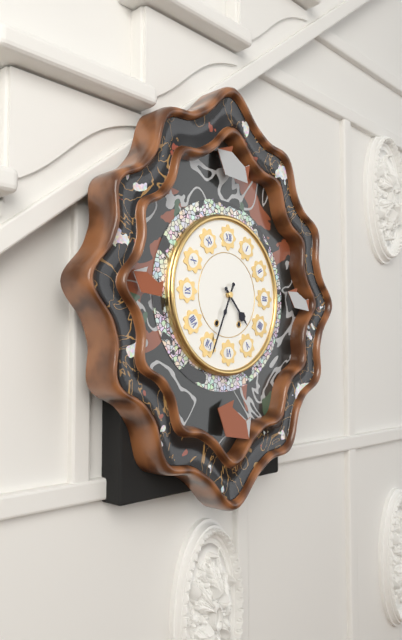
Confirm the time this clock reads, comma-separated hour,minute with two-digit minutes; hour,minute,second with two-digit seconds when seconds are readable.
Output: 4,34
